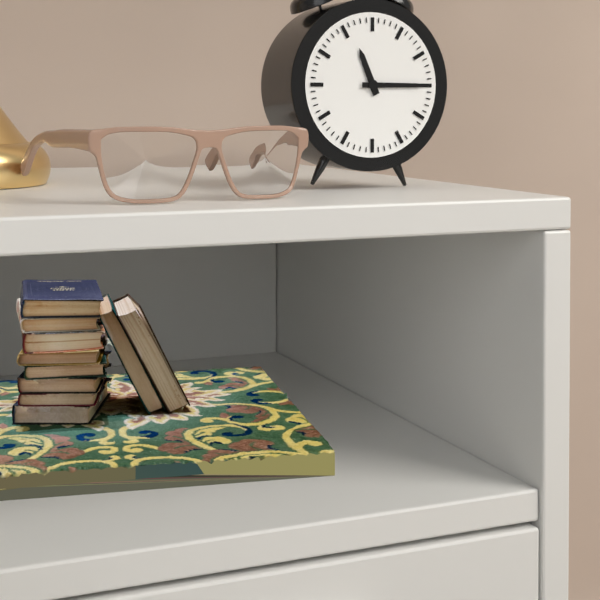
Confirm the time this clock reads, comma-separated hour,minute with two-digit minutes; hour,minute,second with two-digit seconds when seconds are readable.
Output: 11,15
